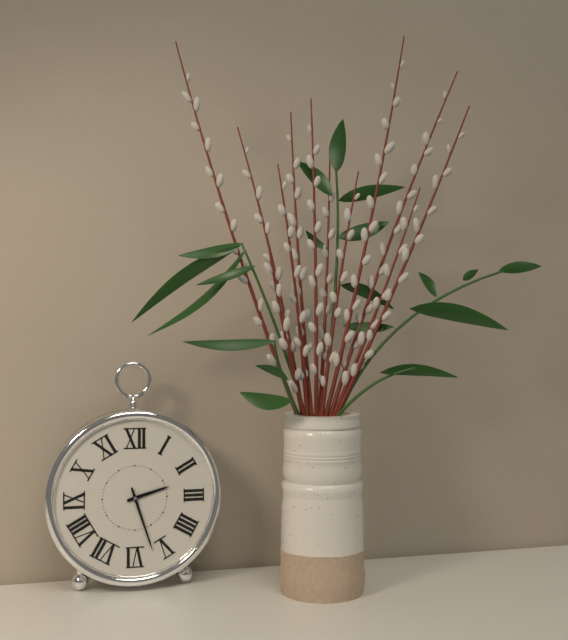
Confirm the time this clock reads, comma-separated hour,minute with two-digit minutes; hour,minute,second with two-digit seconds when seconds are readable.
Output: 2,27
